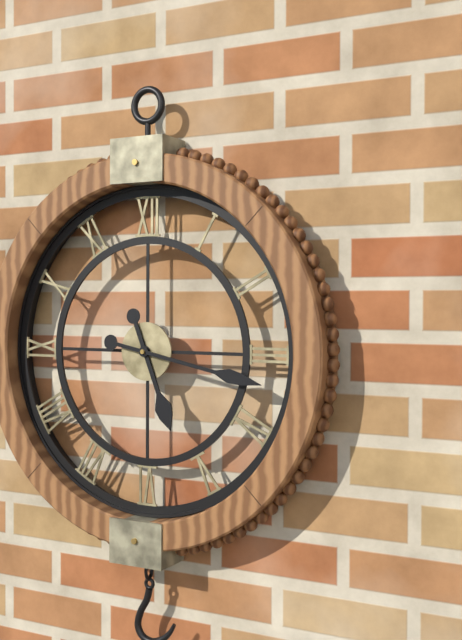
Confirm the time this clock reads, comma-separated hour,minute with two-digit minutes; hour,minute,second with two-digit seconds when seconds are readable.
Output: 5,17
